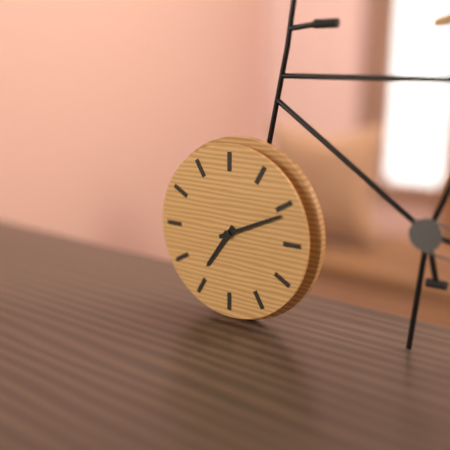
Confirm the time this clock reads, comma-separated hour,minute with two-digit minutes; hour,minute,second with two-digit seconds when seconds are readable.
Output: 7,11
